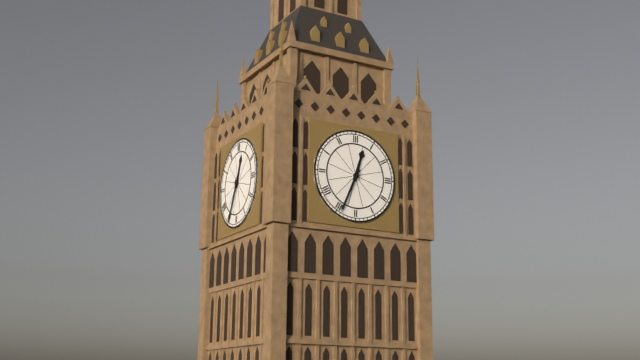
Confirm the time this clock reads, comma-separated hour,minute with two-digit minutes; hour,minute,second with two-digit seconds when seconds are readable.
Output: 12,34
